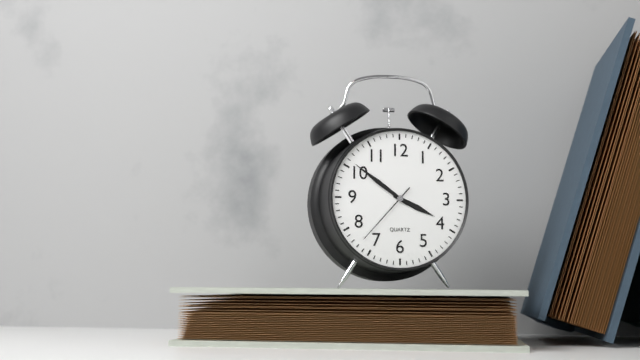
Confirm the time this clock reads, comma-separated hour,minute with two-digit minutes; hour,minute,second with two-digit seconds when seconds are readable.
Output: 3,51,37
